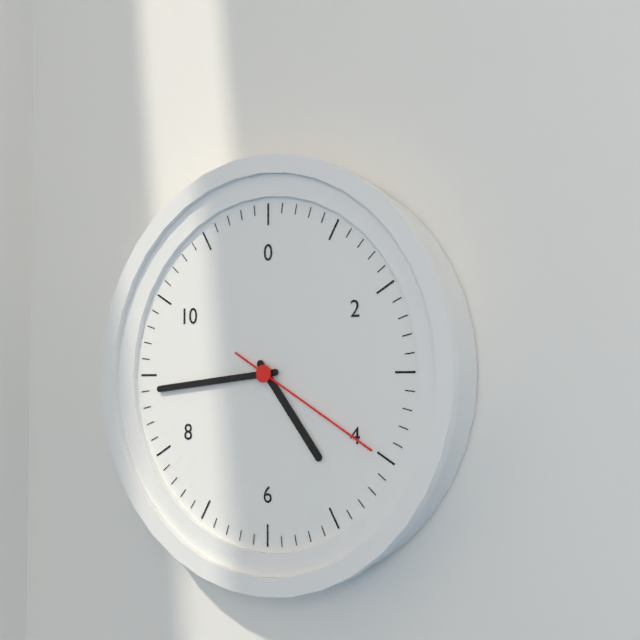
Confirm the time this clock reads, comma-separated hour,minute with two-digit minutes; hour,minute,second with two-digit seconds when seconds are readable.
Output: 4,44,20
